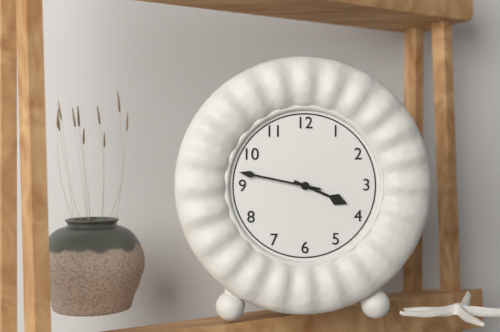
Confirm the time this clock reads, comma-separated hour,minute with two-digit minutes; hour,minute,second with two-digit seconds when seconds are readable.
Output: 3,47
